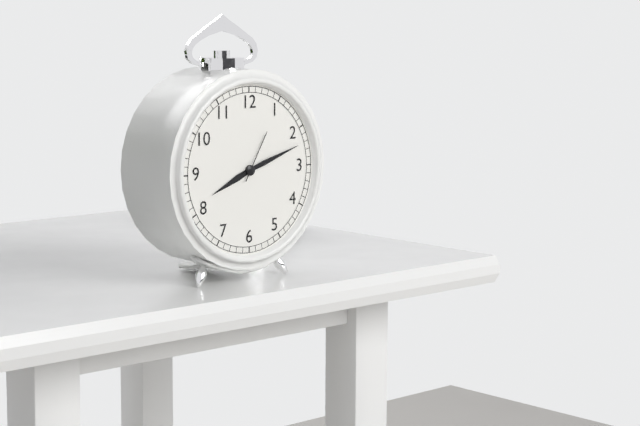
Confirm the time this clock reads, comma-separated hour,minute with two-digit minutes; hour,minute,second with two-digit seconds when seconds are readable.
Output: 8,12,05
